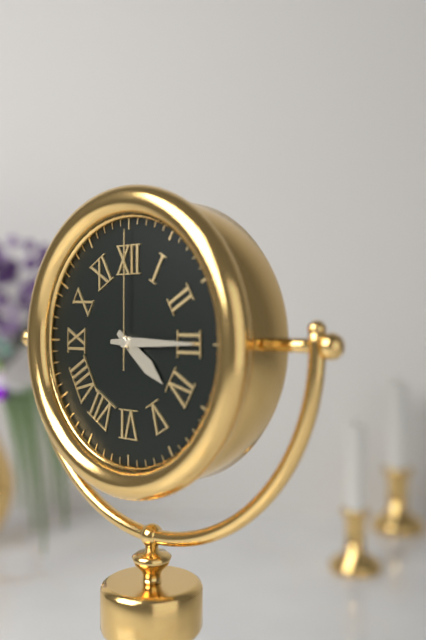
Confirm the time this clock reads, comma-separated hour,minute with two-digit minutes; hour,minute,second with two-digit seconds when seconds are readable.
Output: 4,15,00
